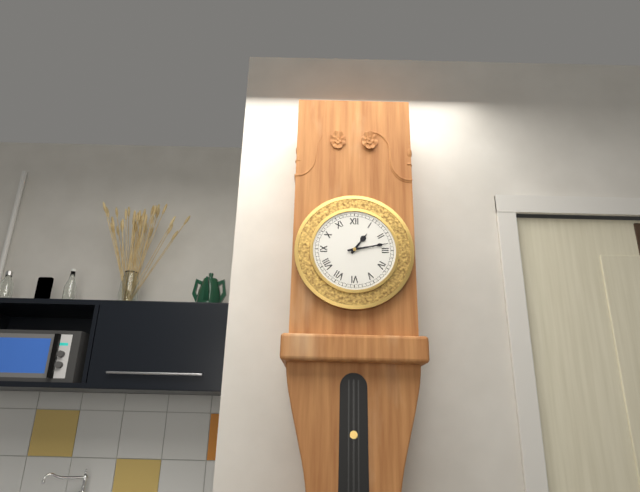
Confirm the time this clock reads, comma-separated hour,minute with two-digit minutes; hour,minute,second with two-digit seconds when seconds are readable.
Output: 1,13
